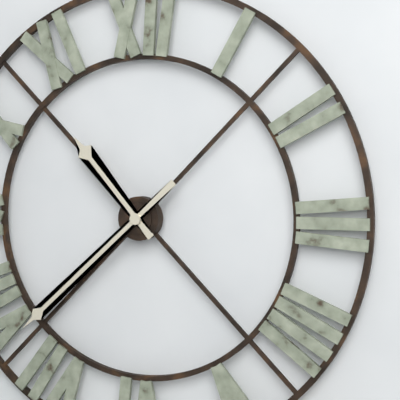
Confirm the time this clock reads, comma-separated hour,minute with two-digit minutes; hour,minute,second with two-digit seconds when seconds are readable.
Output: 10,38
